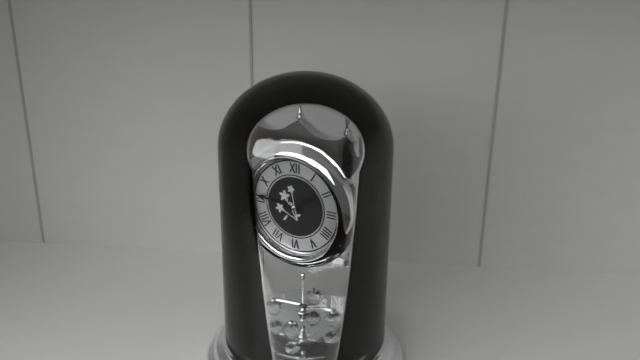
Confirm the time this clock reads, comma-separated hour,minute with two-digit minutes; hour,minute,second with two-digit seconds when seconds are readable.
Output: 1,46
